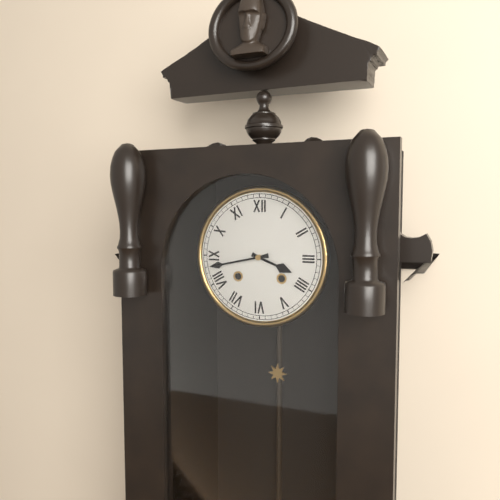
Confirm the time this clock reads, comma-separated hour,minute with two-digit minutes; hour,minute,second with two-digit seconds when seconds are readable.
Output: 3,43
